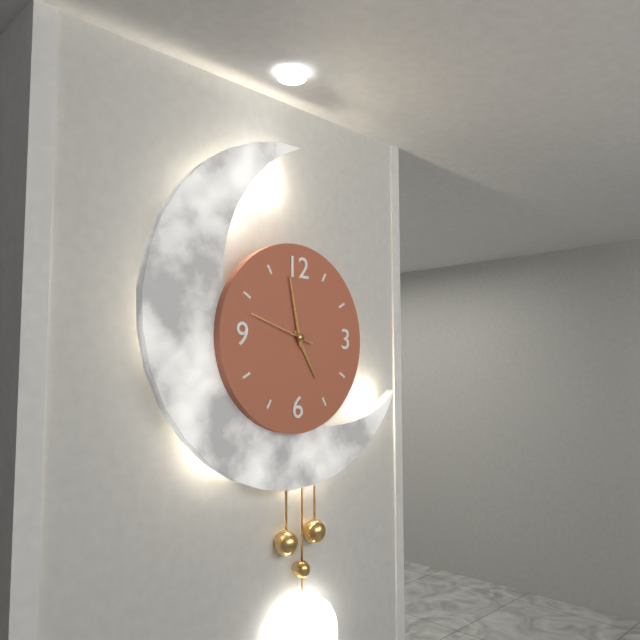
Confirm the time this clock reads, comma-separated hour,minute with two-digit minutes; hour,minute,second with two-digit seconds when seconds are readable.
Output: 4,58,48
